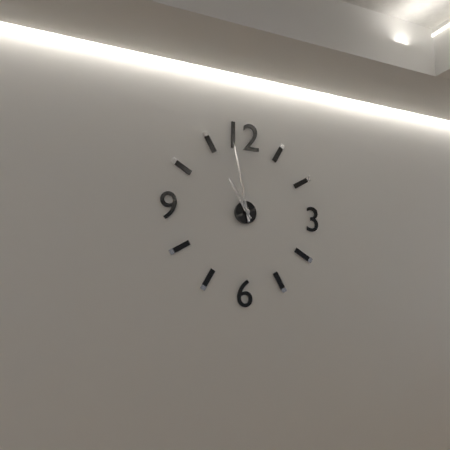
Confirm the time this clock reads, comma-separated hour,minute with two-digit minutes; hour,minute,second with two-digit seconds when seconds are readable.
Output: 10,58
